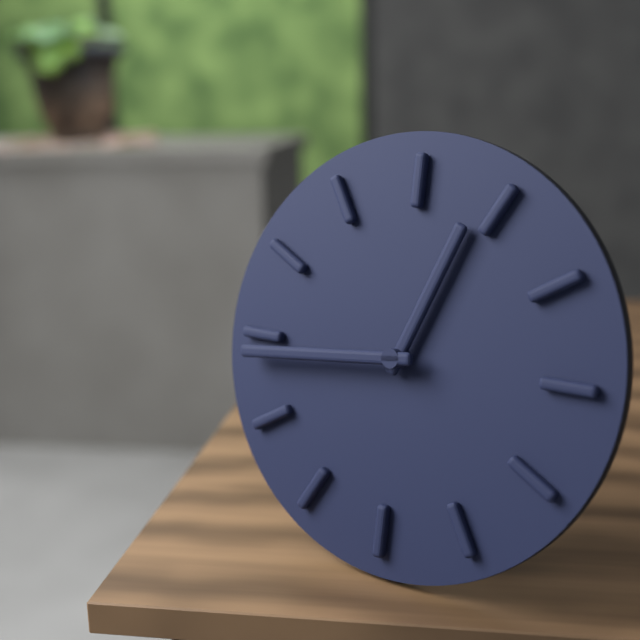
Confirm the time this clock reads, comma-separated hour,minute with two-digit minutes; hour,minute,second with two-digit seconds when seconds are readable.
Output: 12,44
